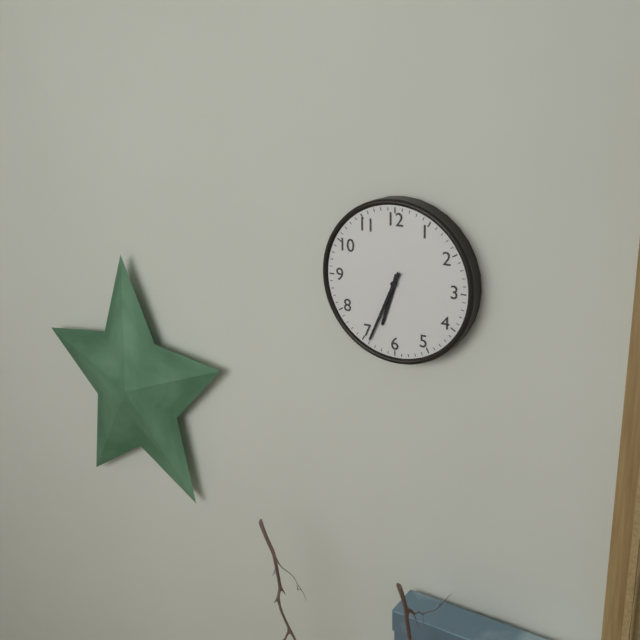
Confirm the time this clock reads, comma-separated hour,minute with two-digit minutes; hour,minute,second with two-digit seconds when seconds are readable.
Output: 6,34
